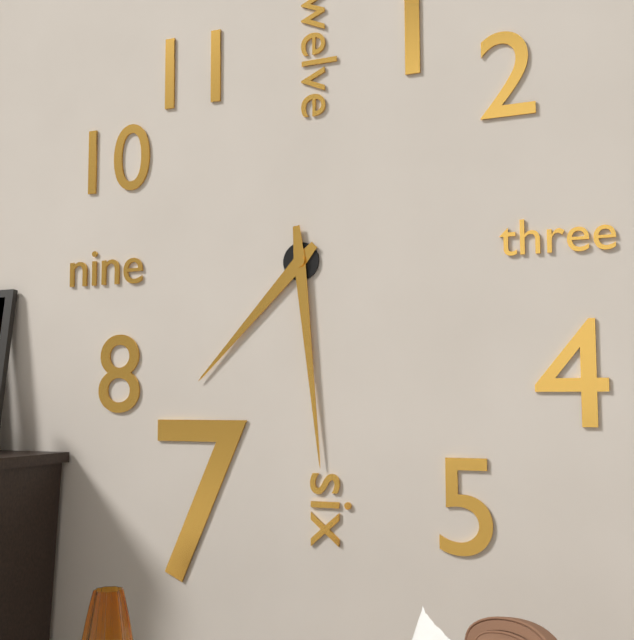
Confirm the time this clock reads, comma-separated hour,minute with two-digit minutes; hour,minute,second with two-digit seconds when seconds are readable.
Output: 7,29
